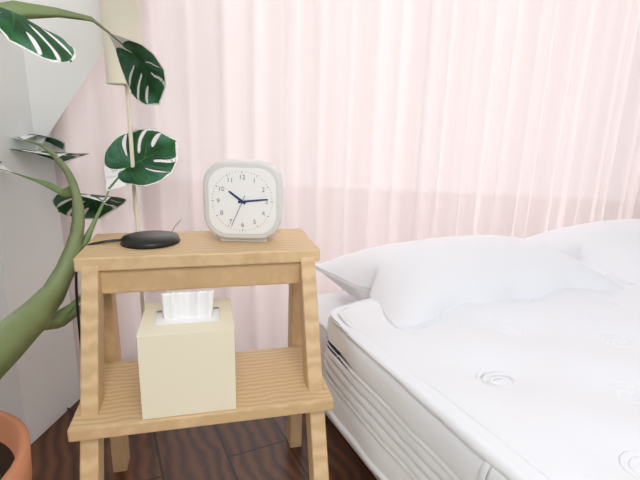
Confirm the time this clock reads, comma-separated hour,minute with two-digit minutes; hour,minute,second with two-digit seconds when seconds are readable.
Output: 10,14
